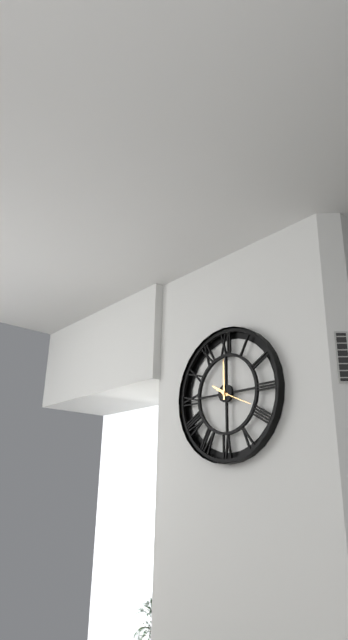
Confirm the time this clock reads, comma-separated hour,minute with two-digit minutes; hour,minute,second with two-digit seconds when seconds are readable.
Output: 10,00
